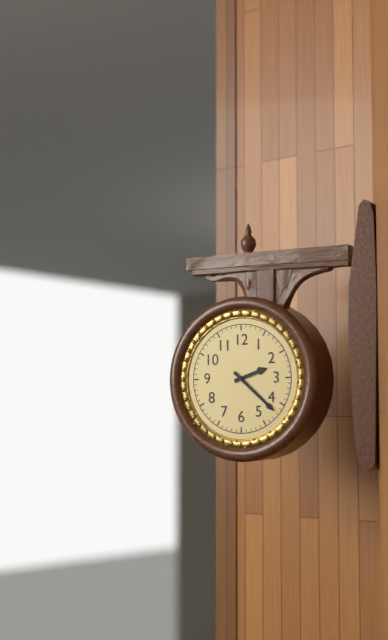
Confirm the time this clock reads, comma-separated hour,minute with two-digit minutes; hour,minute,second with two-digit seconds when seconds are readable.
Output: 2,22
